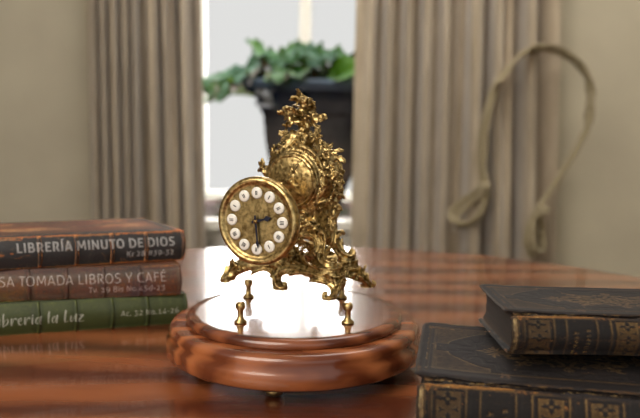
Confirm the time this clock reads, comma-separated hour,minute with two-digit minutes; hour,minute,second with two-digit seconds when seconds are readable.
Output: 2,29
